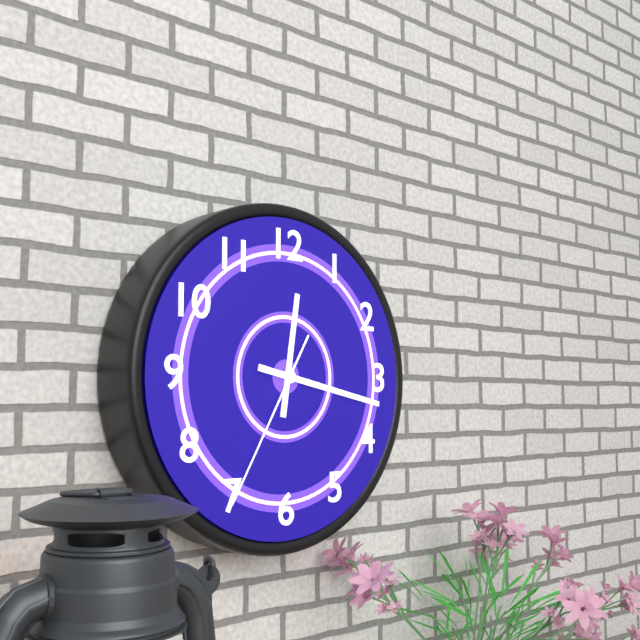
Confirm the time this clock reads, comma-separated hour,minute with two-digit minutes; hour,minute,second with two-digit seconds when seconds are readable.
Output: 12,17,35
